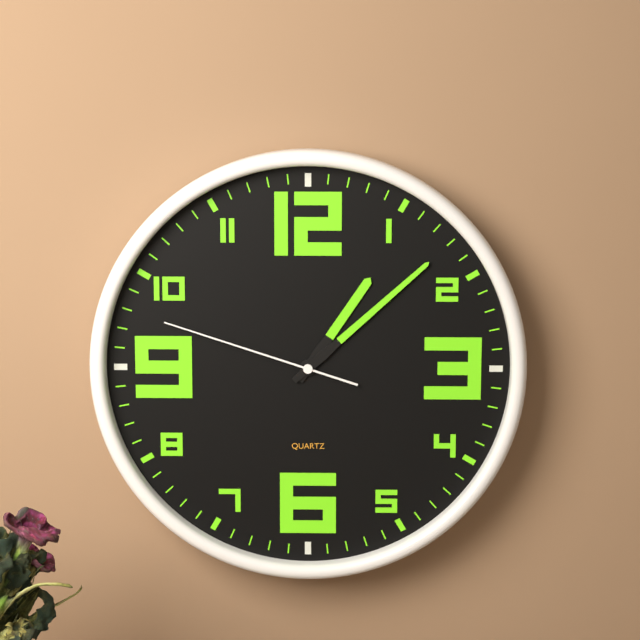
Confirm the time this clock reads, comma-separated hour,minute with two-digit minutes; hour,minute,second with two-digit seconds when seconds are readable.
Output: 1,08,48
